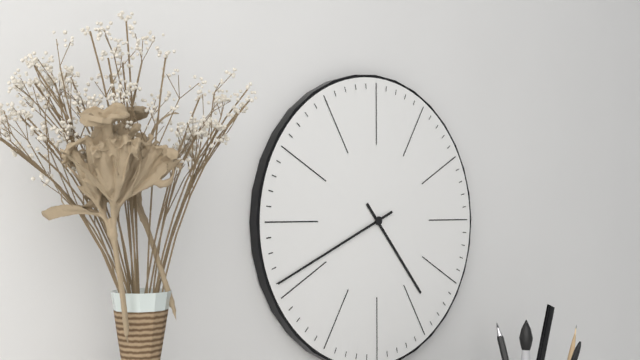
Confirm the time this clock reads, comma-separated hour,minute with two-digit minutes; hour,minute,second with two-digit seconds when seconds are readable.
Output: 4,41
